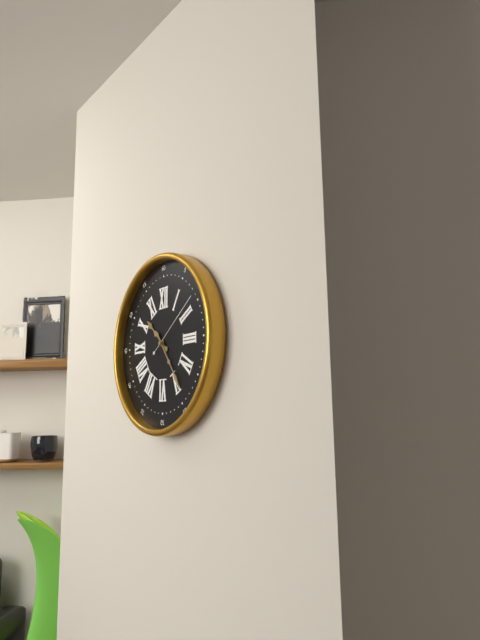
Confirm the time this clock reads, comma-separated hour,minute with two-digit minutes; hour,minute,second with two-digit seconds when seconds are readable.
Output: 10,24,09
